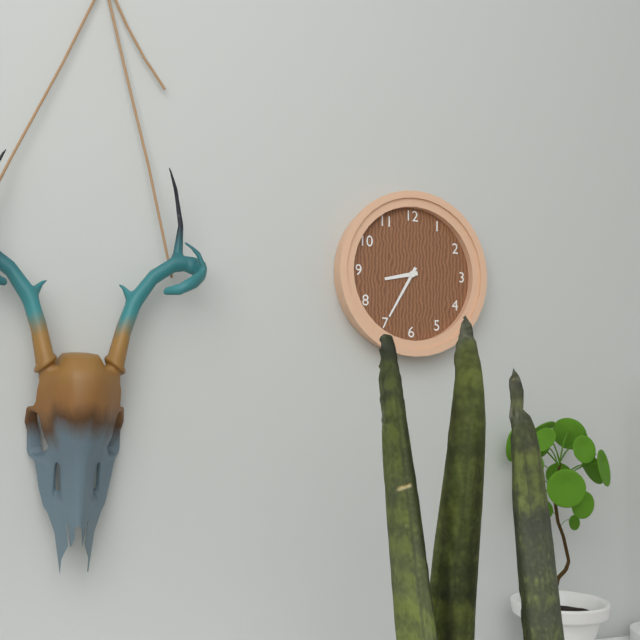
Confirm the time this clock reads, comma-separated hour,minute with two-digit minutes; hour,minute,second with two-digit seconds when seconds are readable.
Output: 8,35
